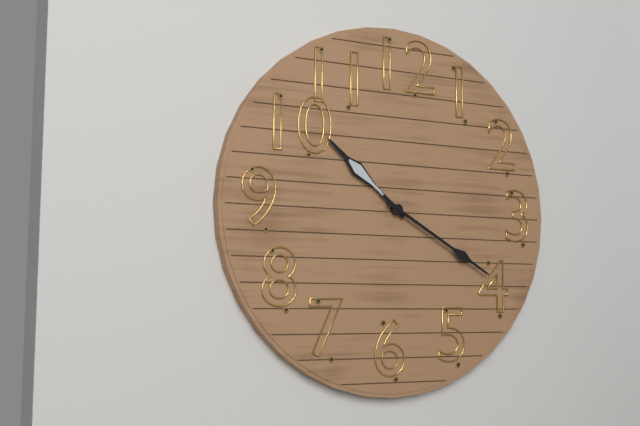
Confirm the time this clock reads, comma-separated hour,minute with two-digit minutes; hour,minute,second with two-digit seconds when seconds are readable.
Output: 10,20
